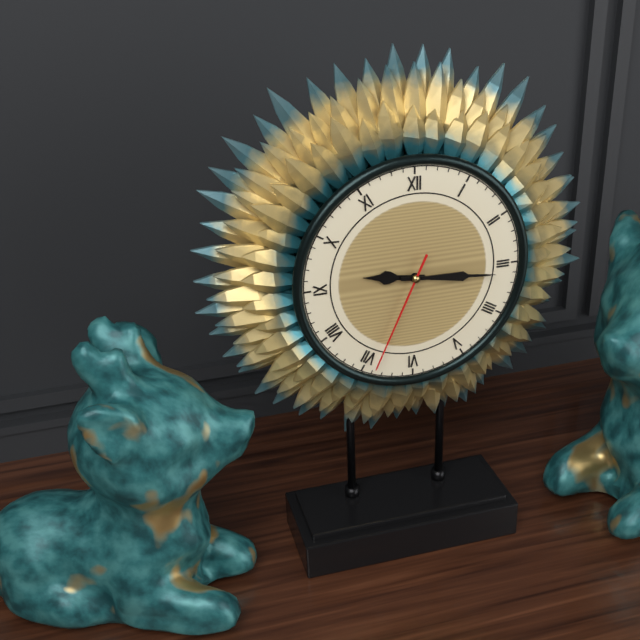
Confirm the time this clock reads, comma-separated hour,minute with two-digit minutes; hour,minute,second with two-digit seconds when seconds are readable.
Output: 9,16,34
